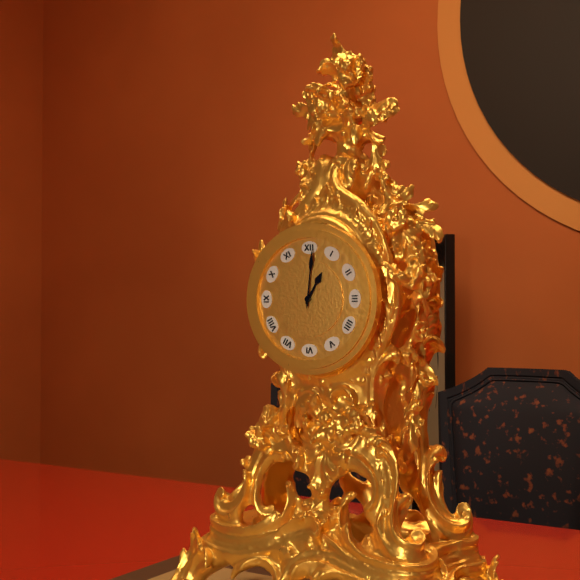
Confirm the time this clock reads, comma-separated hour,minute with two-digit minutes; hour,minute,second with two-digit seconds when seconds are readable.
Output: 1,01
